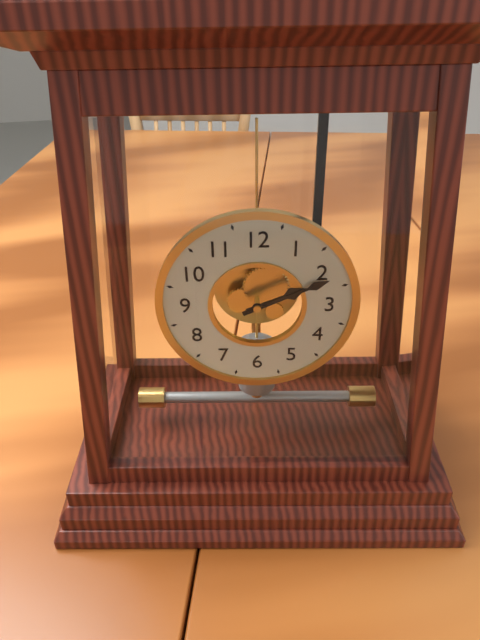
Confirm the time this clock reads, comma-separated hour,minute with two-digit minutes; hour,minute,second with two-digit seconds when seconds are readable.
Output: 2,11
